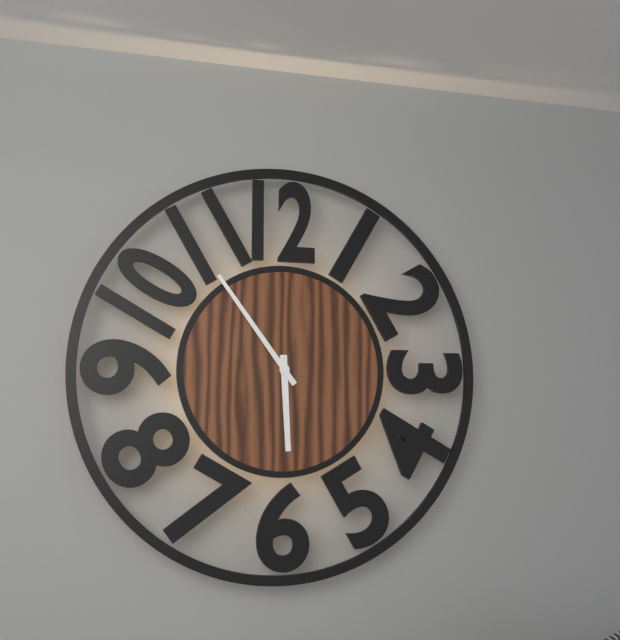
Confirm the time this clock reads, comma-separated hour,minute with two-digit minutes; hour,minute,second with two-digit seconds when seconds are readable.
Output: 5,54
